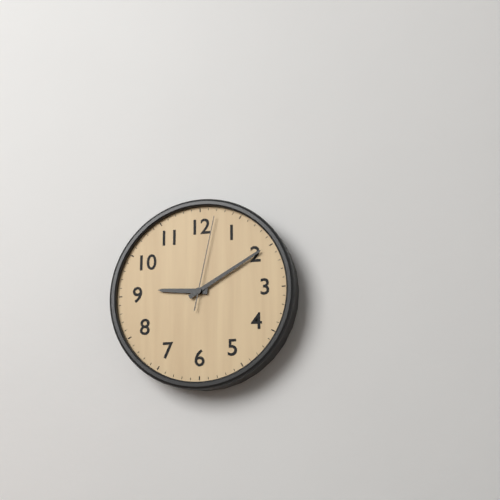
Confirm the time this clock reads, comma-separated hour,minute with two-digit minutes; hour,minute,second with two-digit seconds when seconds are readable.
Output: 9,10,02
